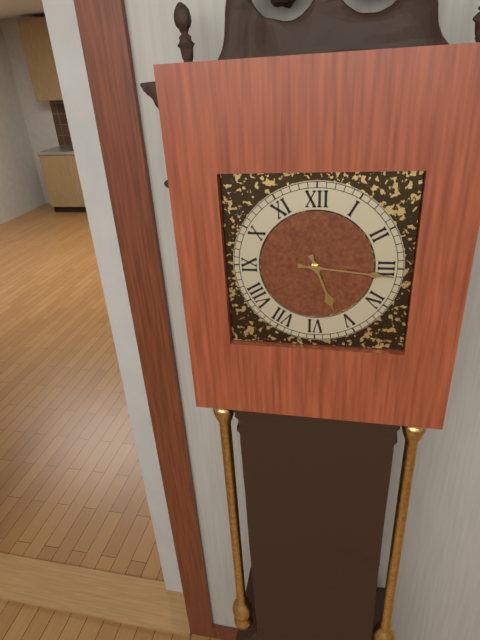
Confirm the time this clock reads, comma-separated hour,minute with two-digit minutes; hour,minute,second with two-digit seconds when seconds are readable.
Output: 5,16
